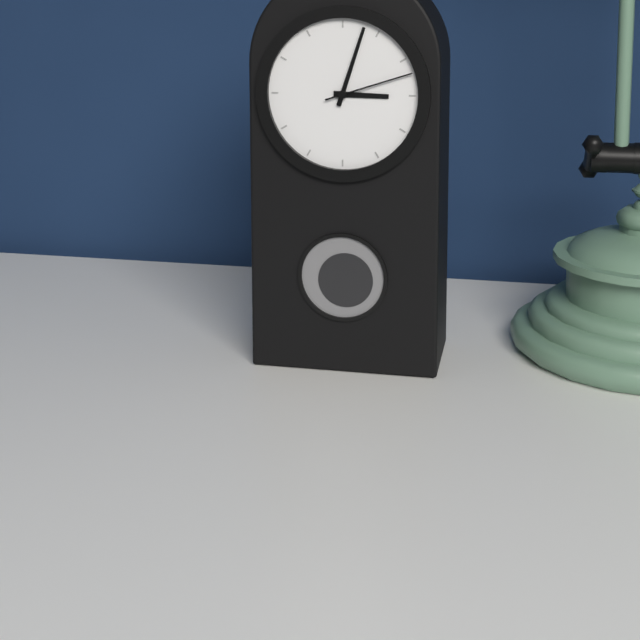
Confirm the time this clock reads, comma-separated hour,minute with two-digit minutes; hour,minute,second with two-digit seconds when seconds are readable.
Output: 3,03,12
